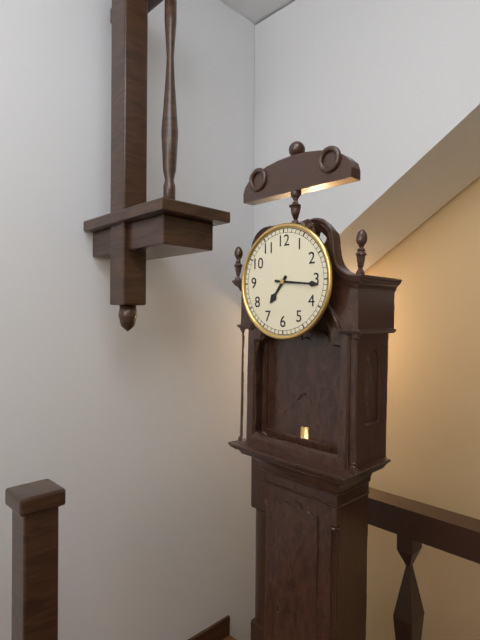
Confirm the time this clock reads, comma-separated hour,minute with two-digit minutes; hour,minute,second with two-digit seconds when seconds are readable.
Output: 7,16
